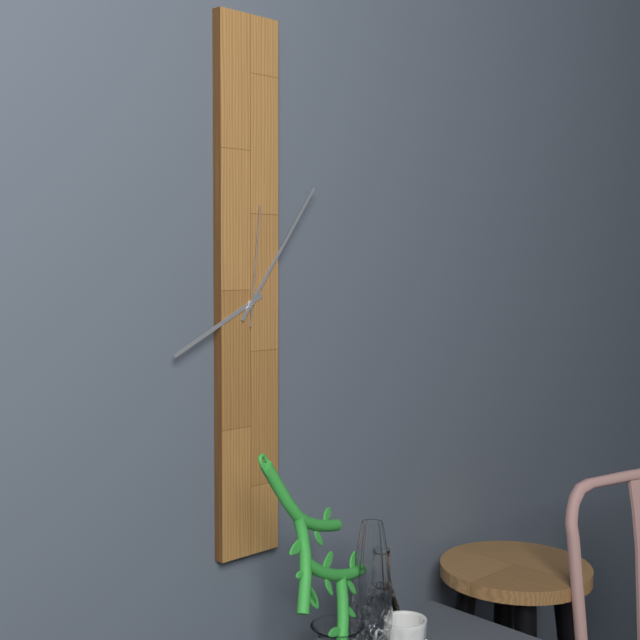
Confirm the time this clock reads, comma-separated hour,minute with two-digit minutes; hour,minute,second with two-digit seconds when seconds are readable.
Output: 8,06,01
